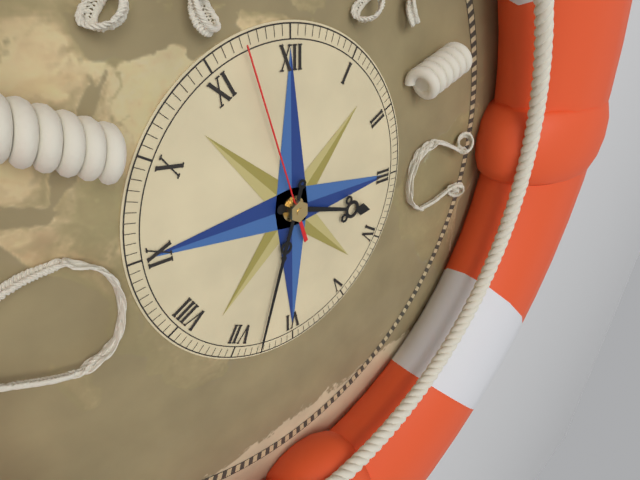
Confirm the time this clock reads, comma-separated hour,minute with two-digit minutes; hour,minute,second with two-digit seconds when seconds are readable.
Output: 3,33,57
